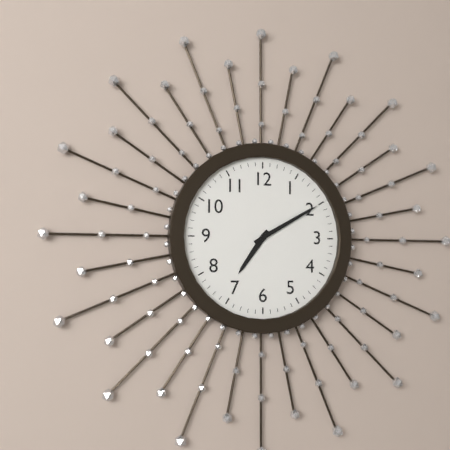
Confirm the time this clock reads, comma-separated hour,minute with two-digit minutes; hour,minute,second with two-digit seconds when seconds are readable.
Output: 7,10
